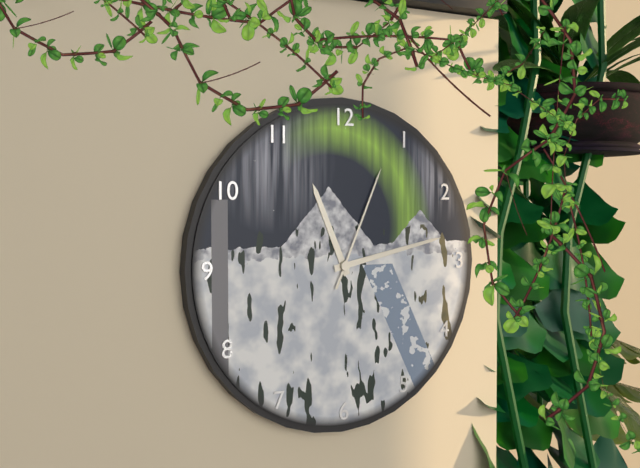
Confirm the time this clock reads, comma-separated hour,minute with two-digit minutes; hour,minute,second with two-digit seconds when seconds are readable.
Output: 11,13,04
